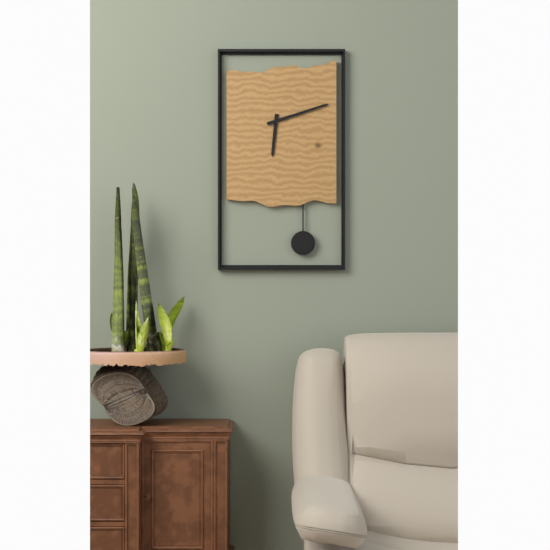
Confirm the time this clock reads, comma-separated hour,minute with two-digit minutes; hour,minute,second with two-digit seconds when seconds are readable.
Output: 6,12
